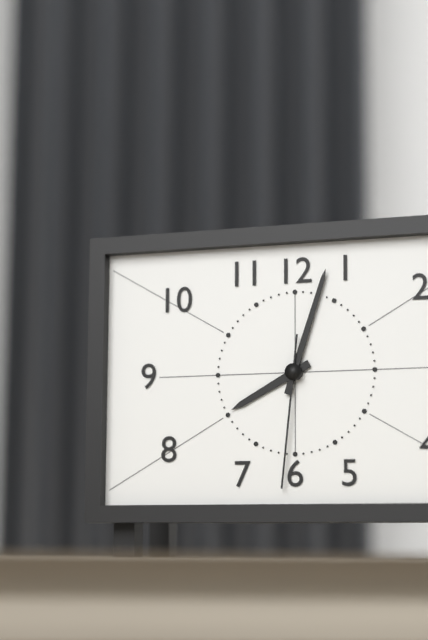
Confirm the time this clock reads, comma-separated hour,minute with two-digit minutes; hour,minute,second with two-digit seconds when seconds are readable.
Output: 8,03,31
